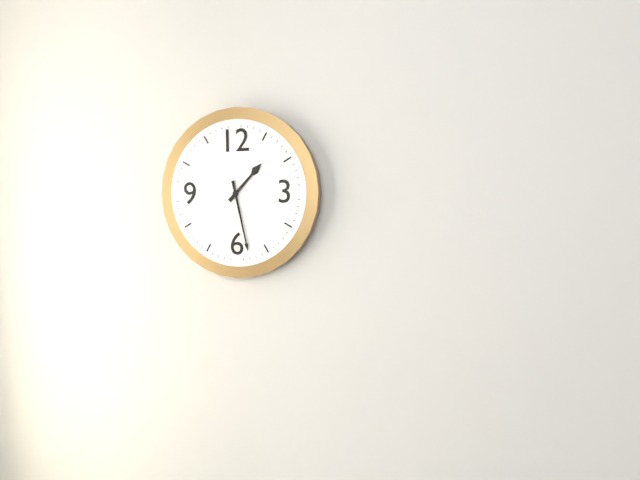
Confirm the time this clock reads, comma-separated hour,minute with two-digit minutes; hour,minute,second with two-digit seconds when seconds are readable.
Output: 1,28
